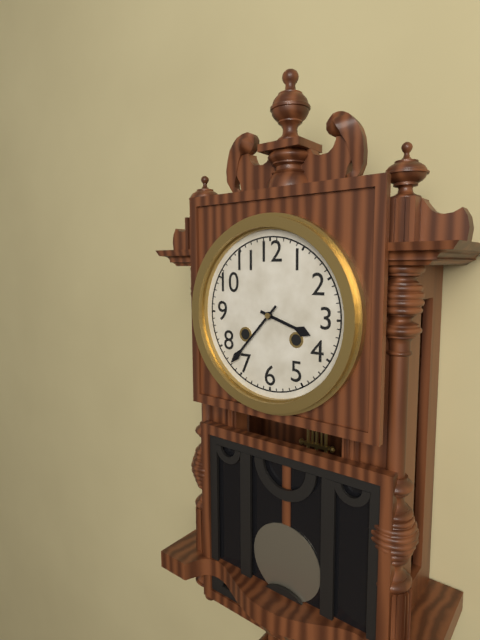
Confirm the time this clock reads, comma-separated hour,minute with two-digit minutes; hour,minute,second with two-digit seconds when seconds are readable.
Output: 3,37
